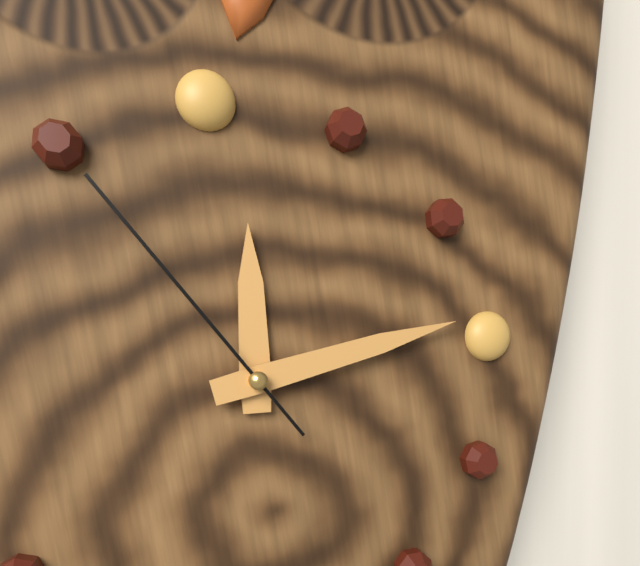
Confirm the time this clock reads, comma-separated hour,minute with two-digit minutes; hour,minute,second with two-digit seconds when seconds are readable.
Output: 12,14,55
